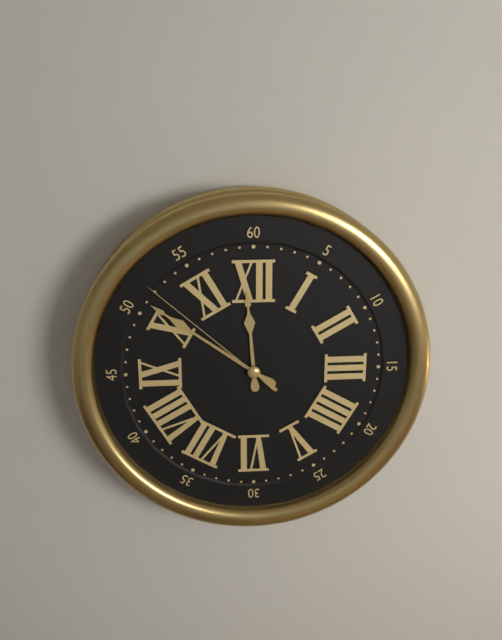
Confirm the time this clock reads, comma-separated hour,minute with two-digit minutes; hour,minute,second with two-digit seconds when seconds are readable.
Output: 11,51,52
